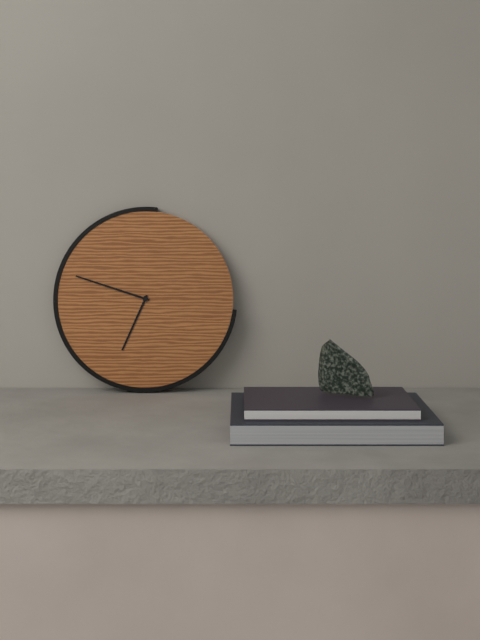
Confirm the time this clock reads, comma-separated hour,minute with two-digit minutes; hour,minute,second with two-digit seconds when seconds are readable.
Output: 6,48
